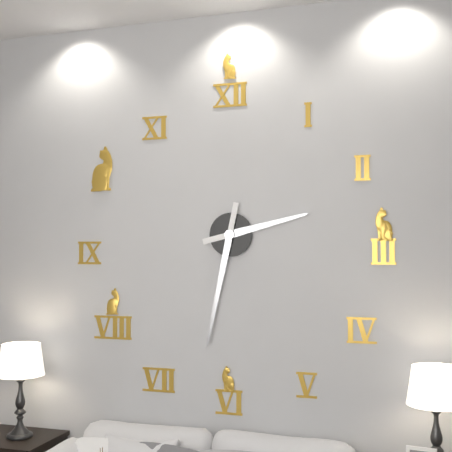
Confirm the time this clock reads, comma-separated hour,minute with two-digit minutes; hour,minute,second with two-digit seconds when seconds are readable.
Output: 2,32
